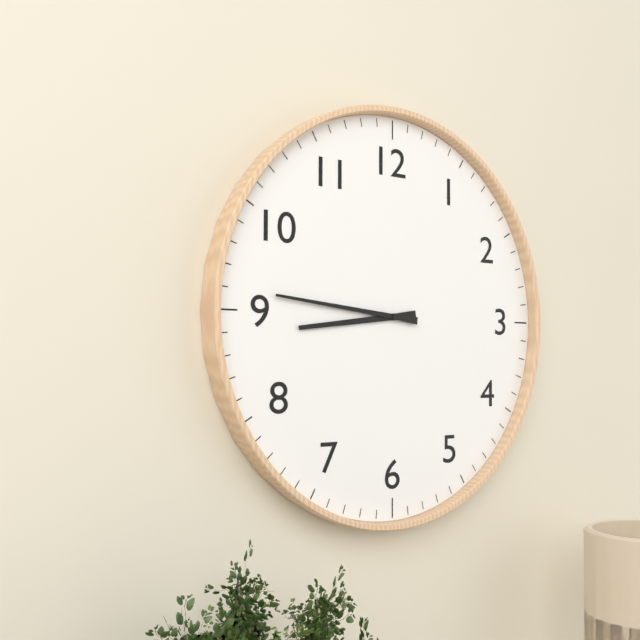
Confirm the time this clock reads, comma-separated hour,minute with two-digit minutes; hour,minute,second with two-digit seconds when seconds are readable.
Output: 8,46
